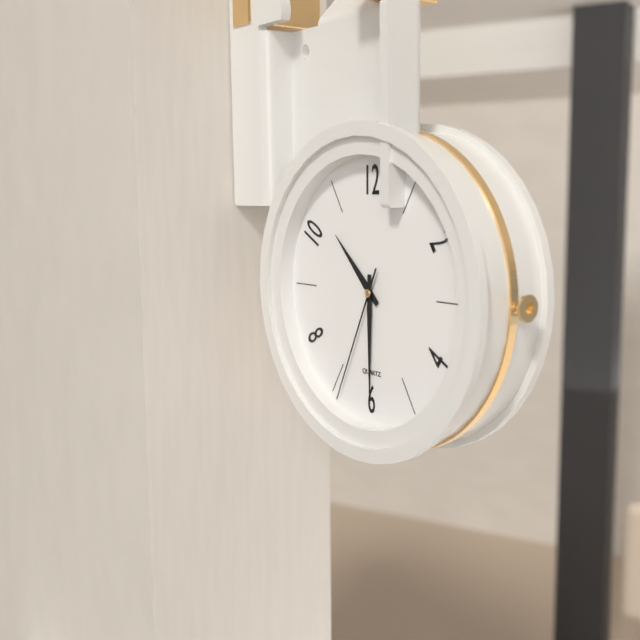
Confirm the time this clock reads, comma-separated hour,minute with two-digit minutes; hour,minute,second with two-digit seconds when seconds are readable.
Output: 10,30,34
